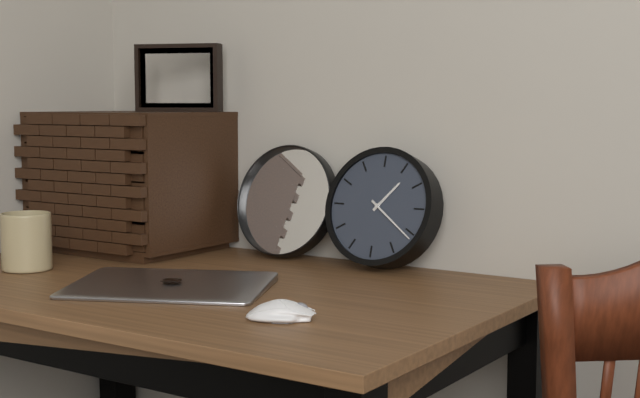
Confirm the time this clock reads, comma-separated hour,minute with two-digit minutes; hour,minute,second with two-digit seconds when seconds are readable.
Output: 1,21
